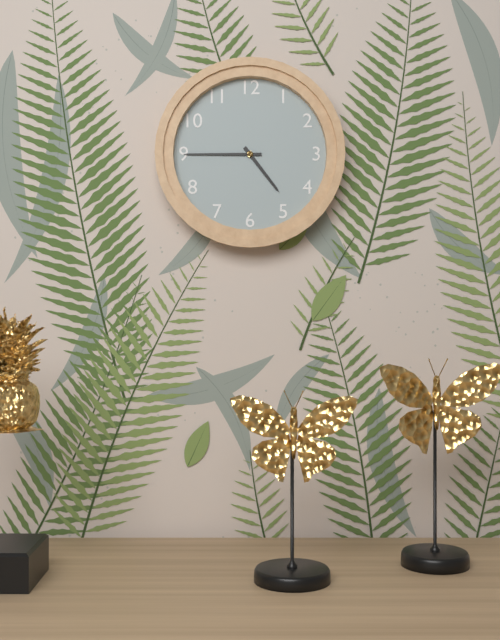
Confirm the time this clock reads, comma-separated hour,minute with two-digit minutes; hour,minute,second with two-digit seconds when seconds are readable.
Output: 4,45
